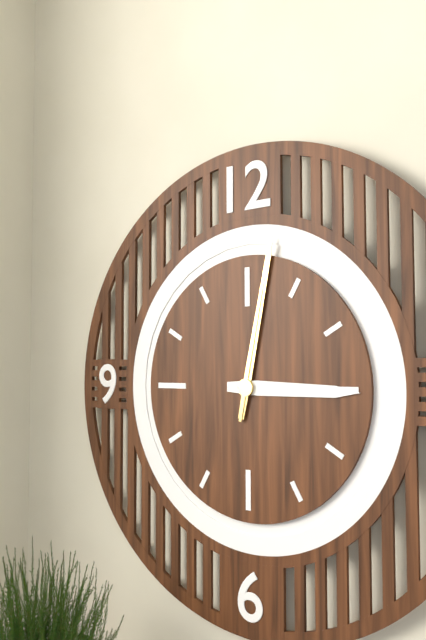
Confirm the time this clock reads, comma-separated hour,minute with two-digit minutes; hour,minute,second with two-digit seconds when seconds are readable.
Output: 3,02,02
